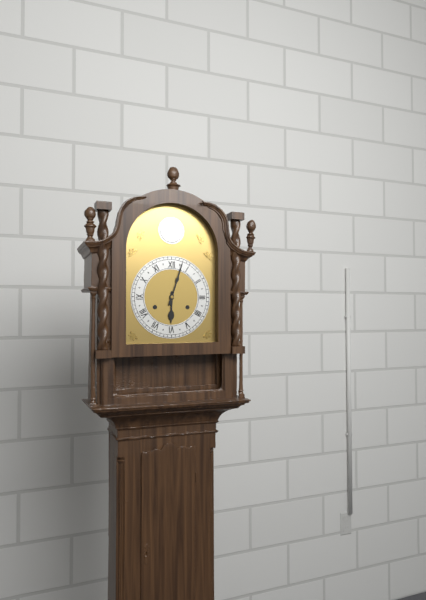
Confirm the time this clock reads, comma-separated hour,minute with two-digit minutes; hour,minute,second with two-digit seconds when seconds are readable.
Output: 6,03
